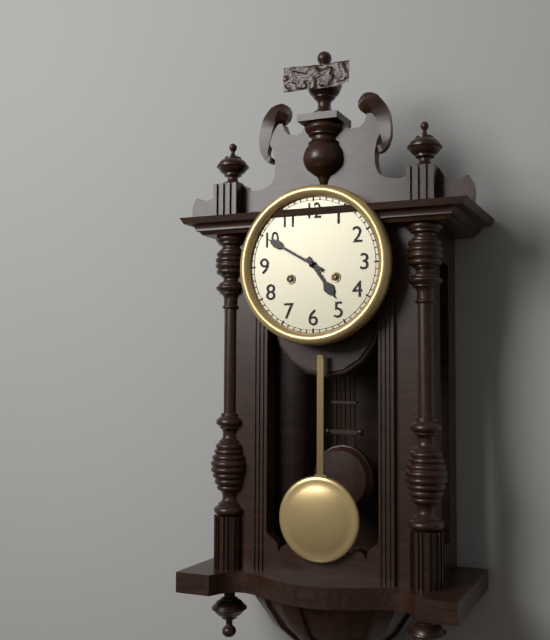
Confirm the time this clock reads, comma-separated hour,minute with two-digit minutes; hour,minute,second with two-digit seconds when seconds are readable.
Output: 4,50
